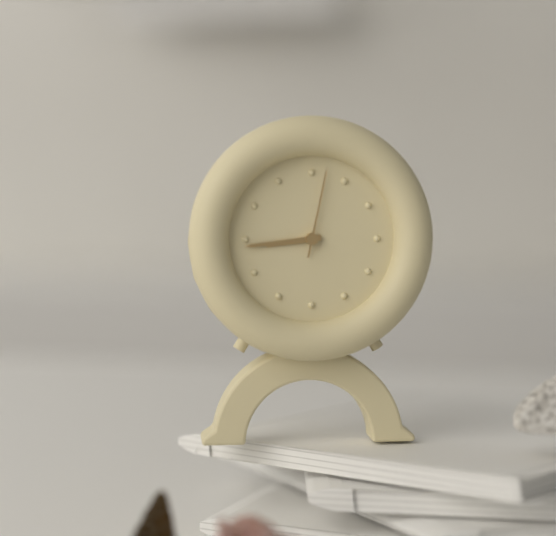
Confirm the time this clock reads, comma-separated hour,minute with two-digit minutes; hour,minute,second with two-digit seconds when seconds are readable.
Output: 8,44,02
